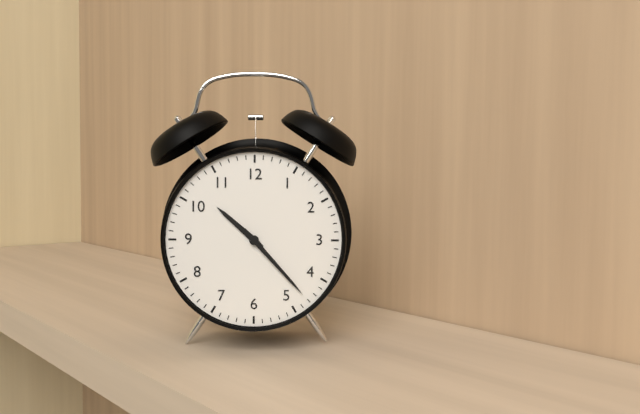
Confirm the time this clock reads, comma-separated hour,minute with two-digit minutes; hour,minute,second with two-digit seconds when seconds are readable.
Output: 10,23
